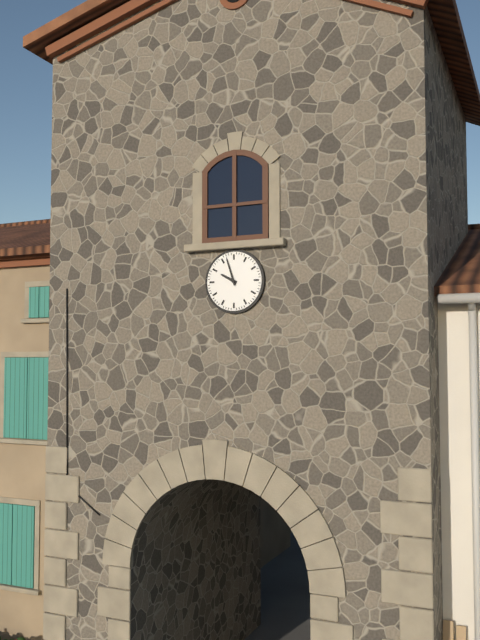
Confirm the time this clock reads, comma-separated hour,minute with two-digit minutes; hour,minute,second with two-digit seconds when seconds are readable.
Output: 9,57
